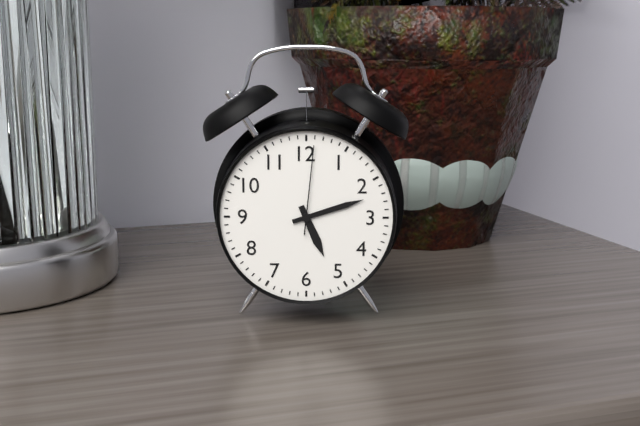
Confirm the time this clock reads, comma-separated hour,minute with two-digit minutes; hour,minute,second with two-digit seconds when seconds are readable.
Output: 5,12,01
